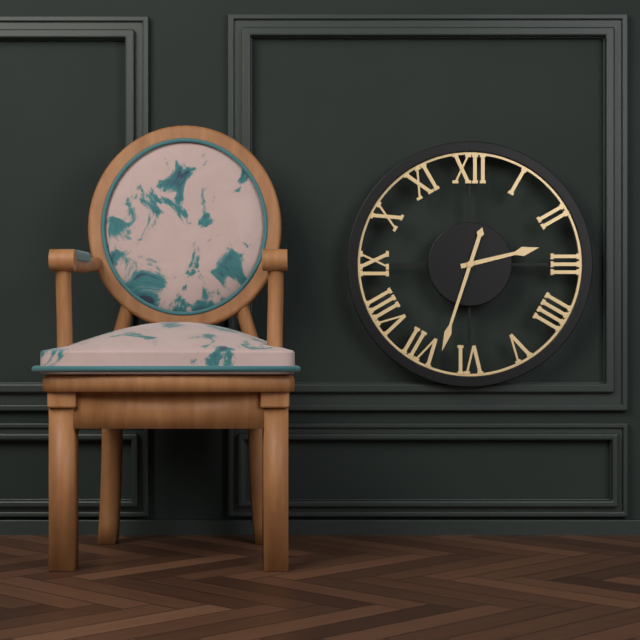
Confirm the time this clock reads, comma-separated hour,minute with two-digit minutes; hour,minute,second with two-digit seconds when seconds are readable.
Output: 2,33
